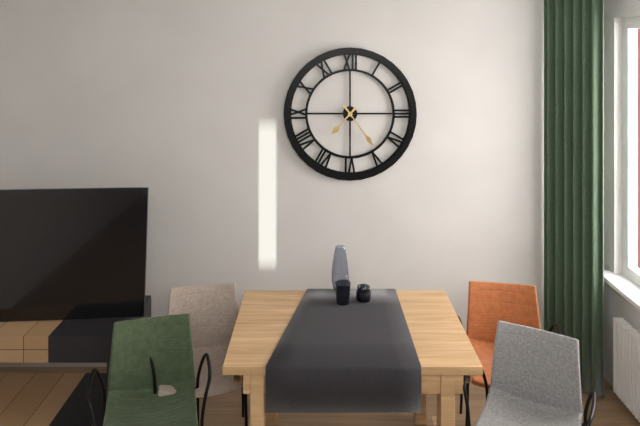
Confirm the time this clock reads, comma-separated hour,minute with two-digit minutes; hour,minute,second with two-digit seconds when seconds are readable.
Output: 7,24
